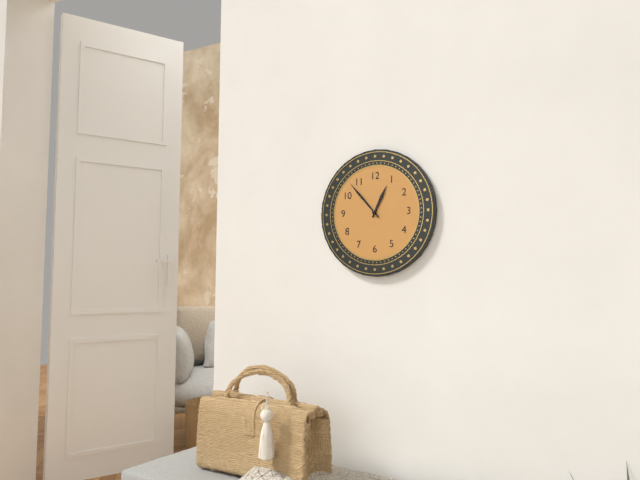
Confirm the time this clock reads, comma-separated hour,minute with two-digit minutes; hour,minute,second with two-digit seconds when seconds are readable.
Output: 12,53
